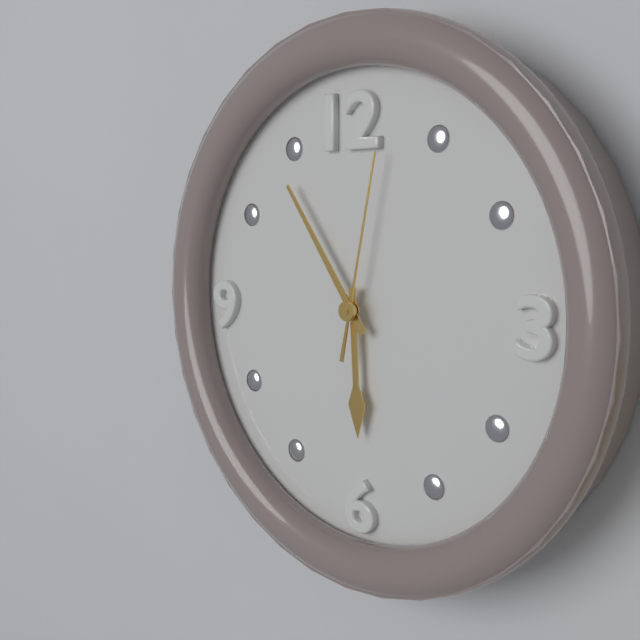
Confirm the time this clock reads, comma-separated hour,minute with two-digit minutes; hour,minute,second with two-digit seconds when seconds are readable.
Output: 5,54,02
